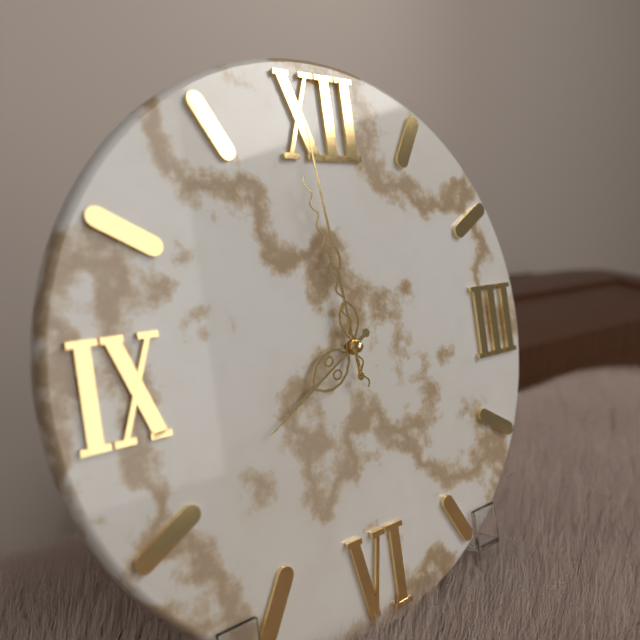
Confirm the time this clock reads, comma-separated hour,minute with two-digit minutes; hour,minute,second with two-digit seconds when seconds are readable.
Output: 7,59,58
